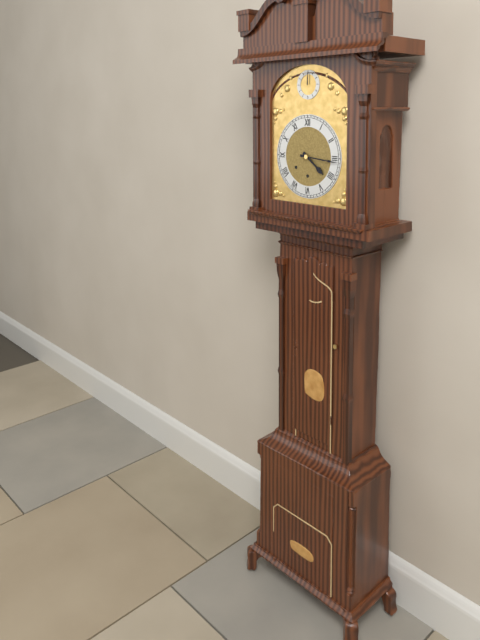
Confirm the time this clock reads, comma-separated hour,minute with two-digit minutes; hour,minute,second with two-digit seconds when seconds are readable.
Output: 4,16
